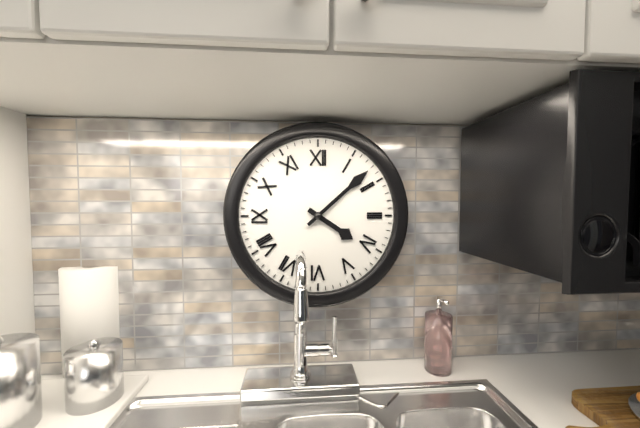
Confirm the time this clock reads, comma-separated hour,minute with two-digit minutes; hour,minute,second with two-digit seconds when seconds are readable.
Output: 4,08
